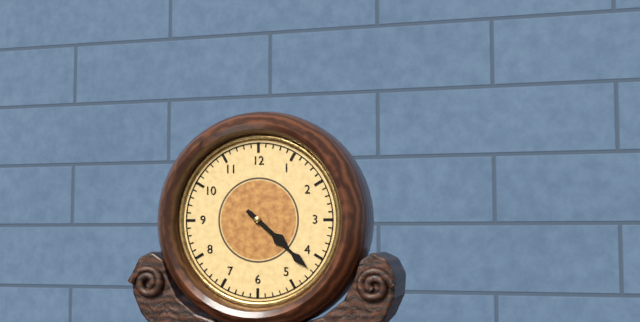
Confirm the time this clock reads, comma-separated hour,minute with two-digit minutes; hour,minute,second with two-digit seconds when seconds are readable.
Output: 4,22
